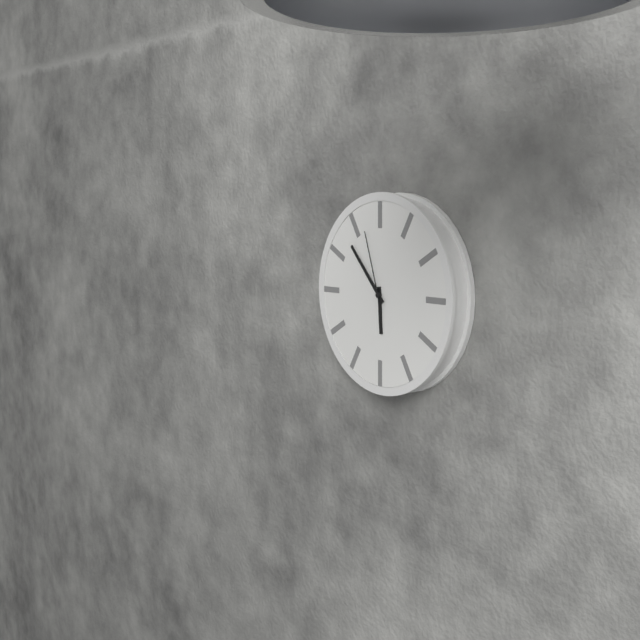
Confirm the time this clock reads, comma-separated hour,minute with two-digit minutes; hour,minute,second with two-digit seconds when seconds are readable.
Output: 5,53,57
